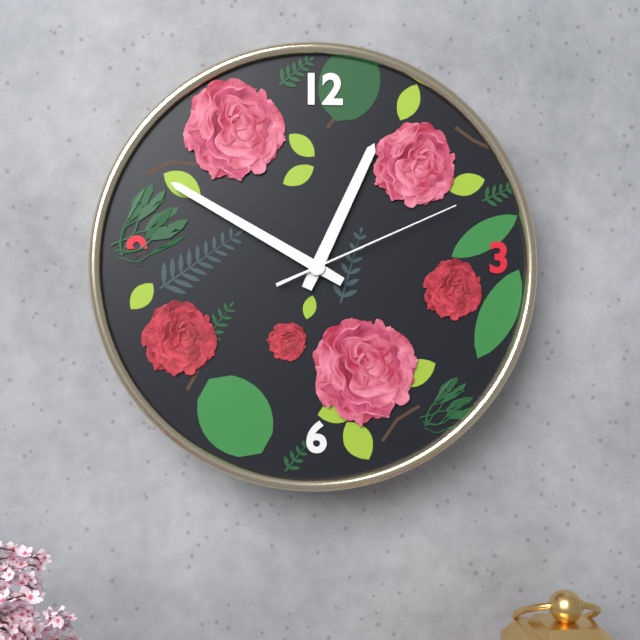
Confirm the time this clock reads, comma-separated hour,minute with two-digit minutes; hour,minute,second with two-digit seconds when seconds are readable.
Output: 12,50,11
